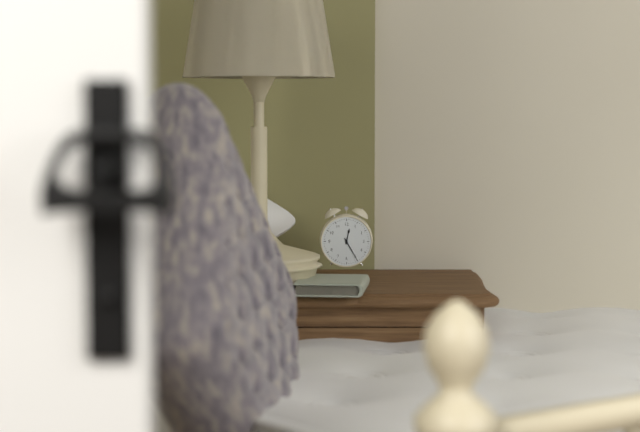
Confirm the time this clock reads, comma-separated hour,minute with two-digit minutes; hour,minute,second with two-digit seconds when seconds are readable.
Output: 12,25
